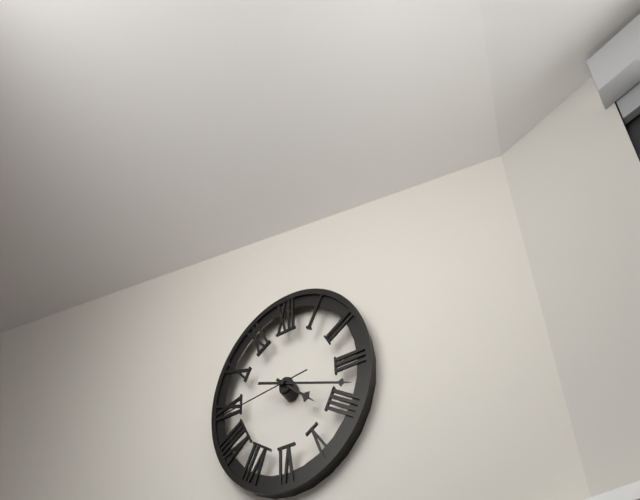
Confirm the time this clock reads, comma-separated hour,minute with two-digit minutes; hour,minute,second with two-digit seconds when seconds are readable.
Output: 4,18,44
